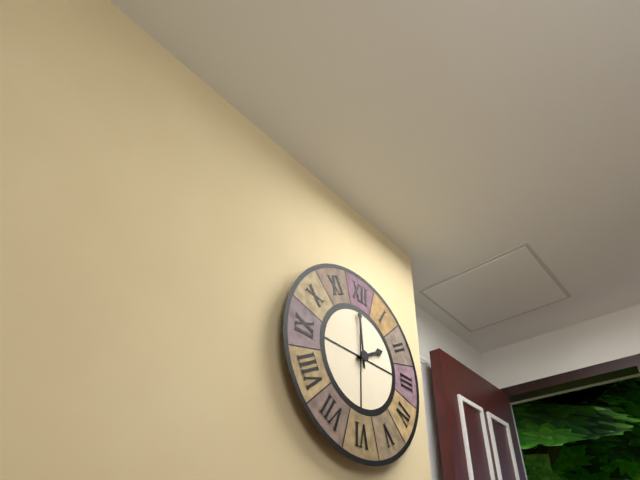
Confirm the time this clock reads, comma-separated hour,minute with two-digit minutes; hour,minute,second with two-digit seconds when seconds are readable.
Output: 1,59
